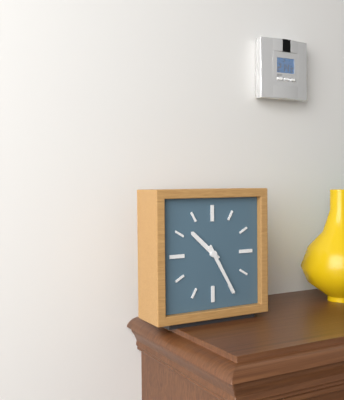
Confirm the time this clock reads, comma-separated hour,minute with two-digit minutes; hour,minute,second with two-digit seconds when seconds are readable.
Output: 10,25
